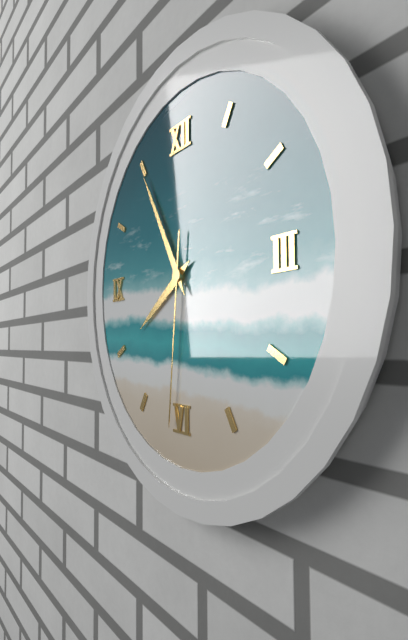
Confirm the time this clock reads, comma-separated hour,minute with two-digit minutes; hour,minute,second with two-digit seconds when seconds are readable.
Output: 7,55,31
